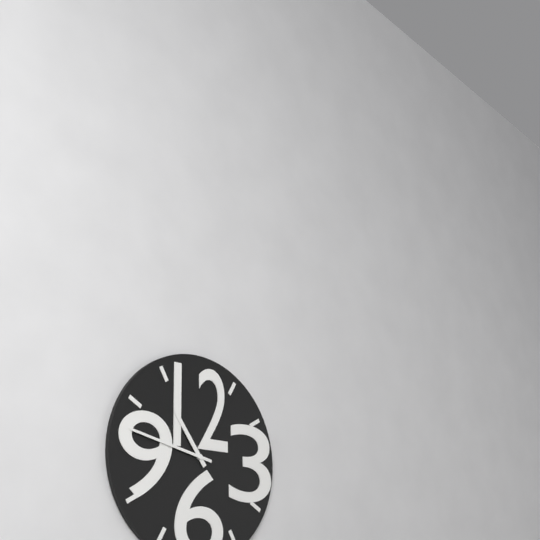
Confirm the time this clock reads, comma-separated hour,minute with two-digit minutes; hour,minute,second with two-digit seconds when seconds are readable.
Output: 10,47
